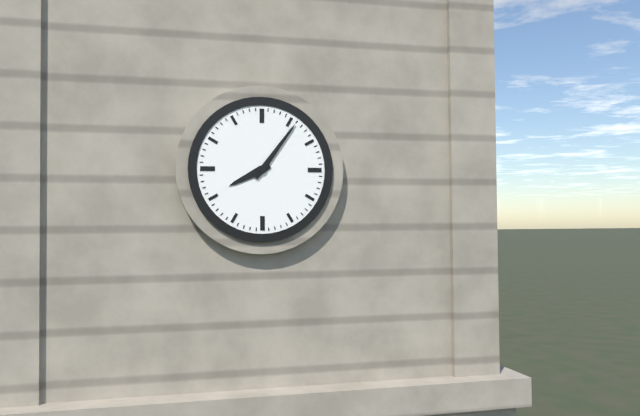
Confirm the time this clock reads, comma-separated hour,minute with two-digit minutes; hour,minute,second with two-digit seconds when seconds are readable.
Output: 8,06
